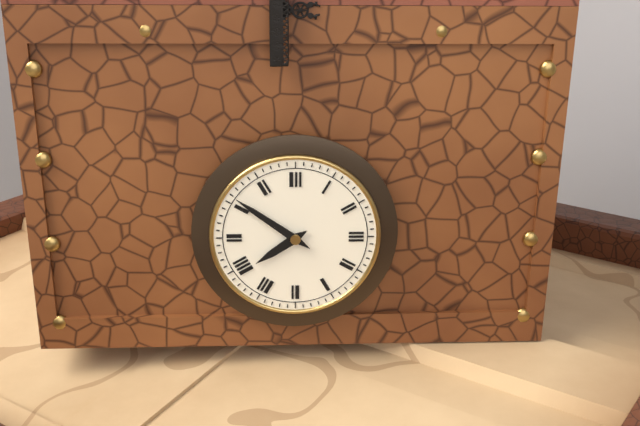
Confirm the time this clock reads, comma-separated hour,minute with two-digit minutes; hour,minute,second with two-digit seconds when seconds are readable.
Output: 7,51
